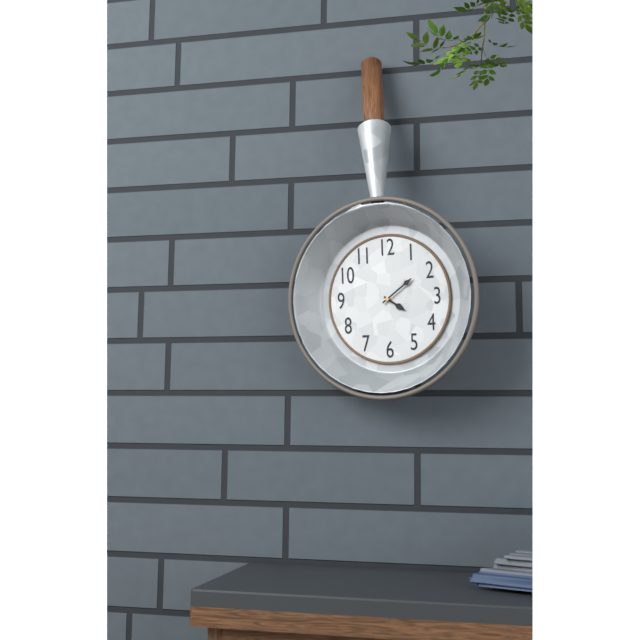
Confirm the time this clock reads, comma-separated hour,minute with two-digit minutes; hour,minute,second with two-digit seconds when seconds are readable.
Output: 4,09
